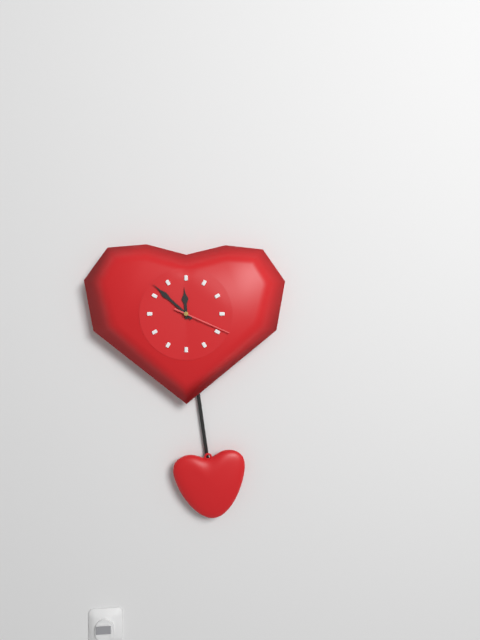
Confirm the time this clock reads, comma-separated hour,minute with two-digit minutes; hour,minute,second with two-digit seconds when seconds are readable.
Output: 11,52,19
